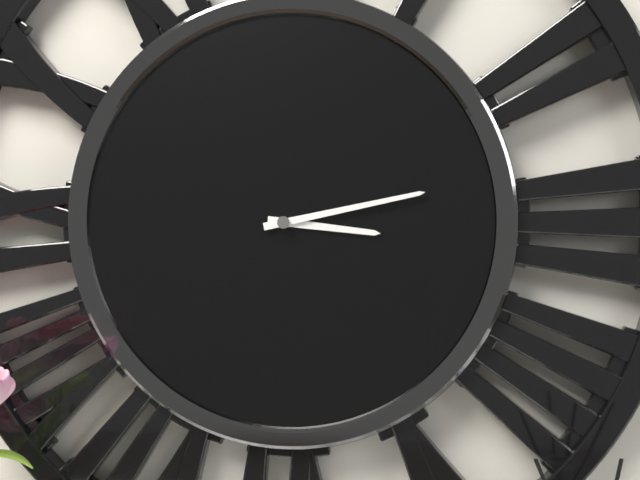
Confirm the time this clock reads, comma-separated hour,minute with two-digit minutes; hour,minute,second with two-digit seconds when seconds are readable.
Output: 3,13
